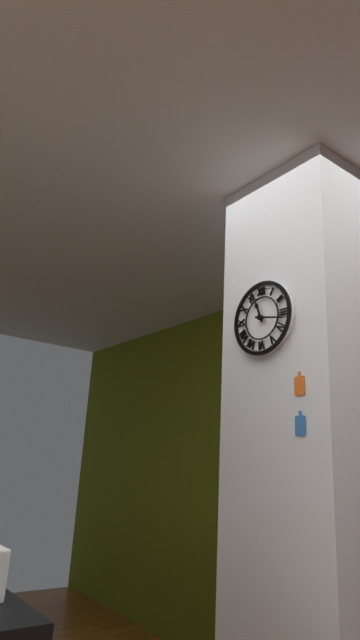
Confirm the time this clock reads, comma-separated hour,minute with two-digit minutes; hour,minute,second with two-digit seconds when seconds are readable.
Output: 11,17
